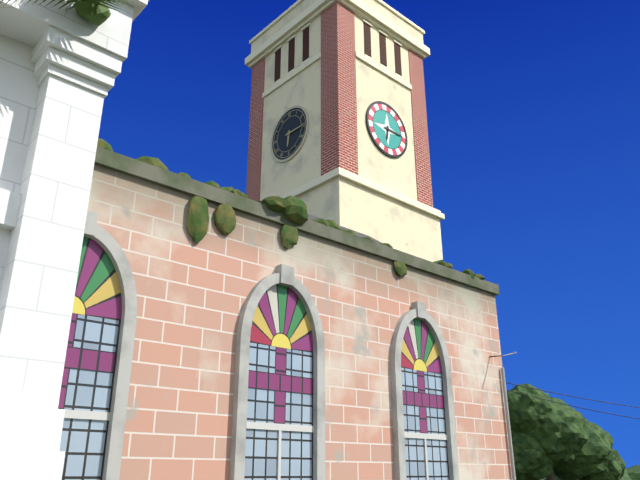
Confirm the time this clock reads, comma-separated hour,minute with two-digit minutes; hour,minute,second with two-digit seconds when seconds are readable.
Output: 6,15
